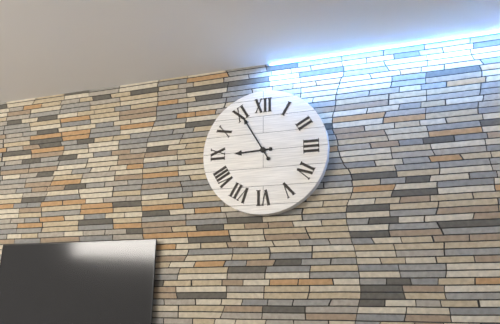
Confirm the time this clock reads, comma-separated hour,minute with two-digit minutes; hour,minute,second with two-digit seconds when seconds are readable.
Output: 8,55
